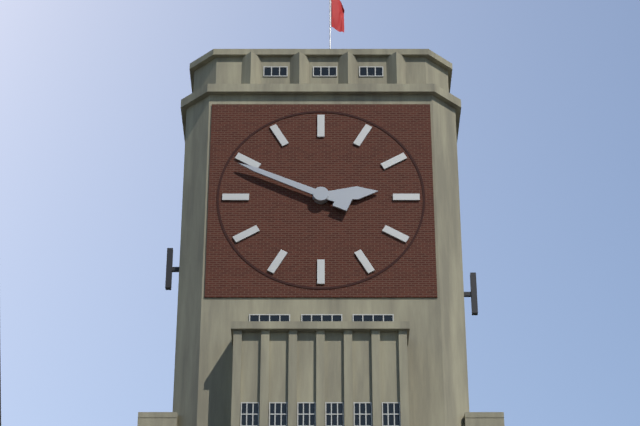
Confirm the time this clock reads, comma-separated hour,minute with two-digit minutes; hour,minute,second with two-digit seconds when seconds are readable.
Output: 2,49
